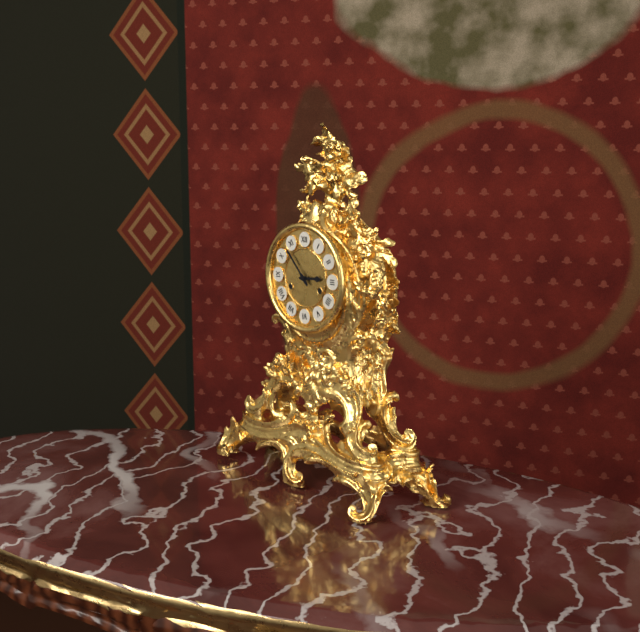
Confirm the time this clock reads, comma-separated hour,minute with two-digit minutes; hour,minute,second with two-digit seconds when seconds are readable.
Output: 2,53
